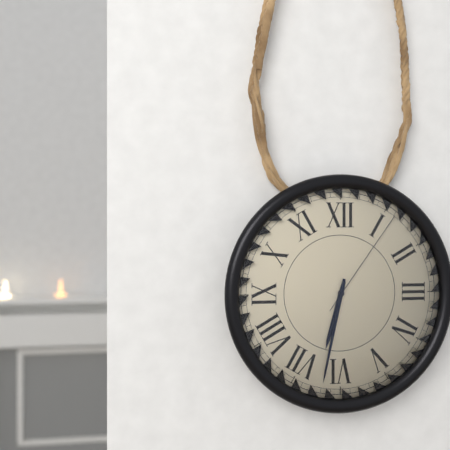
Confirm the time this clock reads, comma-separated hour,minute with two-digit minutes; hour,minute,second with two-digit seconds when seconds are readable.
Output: 6,32,06
